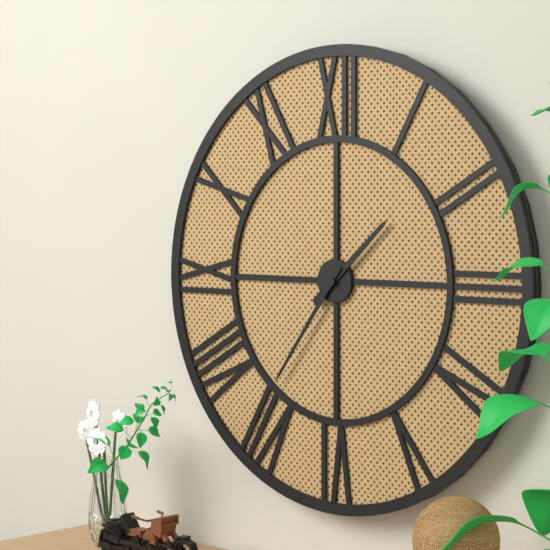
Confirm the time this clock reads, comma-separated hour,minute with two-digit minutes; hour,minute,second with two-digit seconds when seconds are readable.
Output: 1,36
